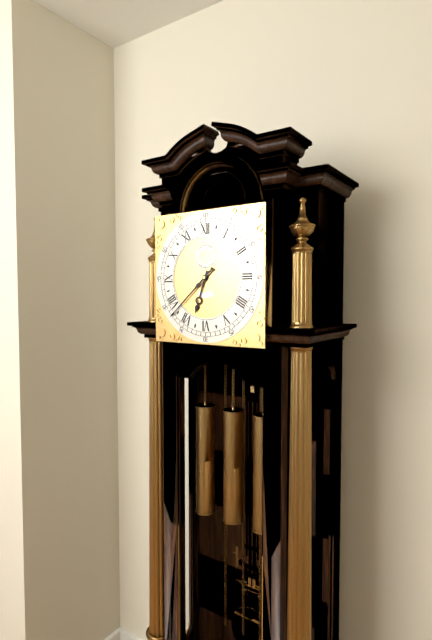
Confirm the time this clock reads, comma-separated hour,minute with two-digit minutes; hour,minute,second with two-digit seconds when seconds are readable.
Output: 6,38
